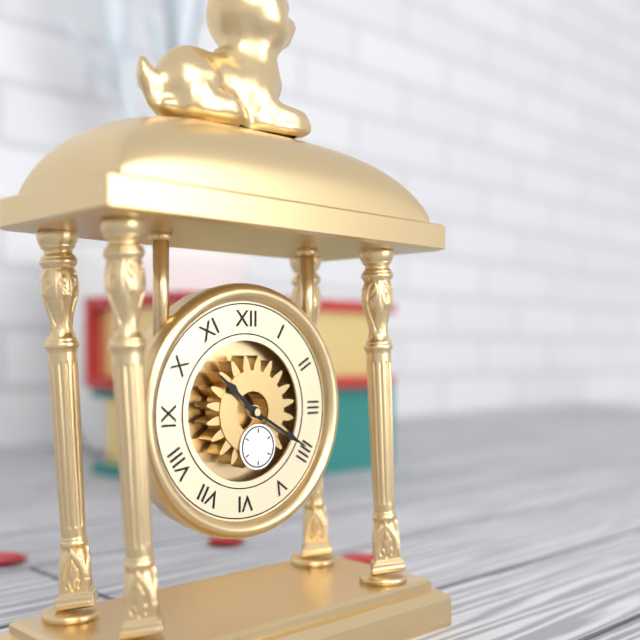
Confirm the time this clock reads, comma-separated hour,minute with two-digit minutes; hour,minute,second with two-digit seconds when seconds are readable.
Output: 10,20
